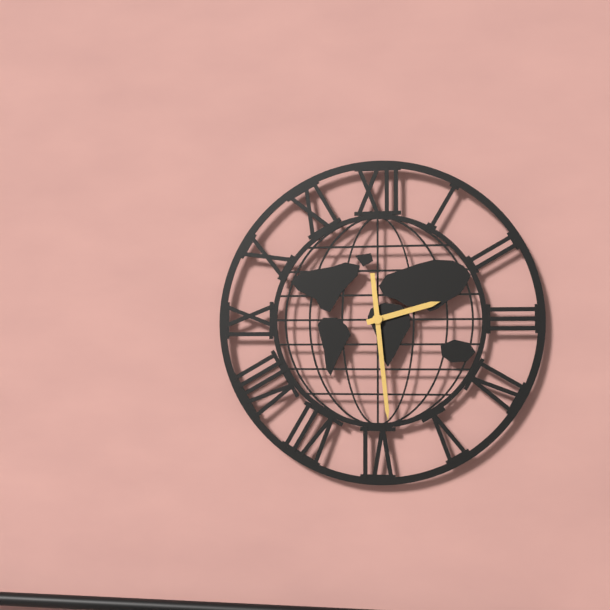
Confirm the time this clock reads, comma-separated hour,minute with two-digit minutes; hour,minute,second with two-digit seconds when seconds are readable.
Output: 2,29
